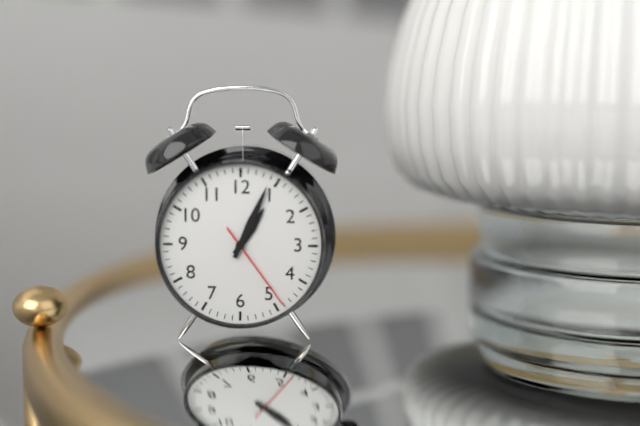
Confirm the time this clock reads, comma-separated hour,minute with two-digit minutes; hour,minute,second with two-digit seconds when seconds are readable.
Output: 1,04,24
